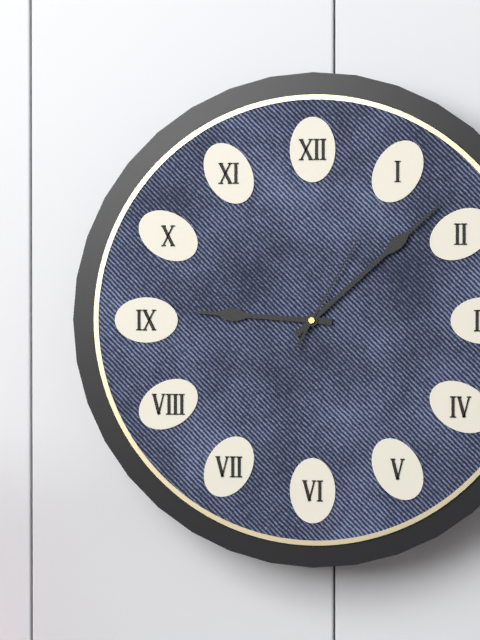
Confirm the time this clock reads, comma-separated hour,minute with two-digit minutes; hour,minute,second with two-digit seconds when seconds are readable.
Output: 9,08,05
